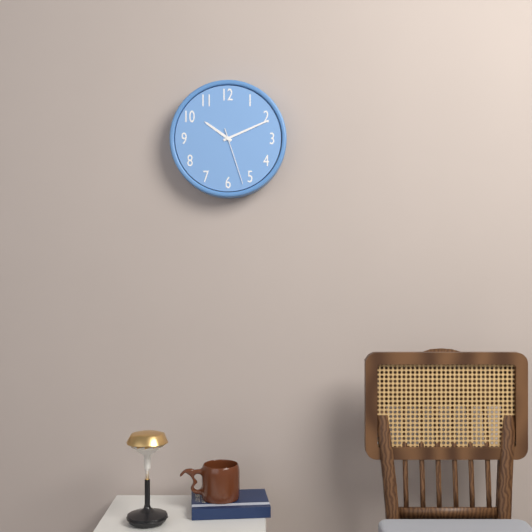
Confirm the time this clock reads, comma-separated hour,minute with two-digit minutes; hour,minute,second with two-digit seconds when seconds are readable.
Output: 10,11,27
